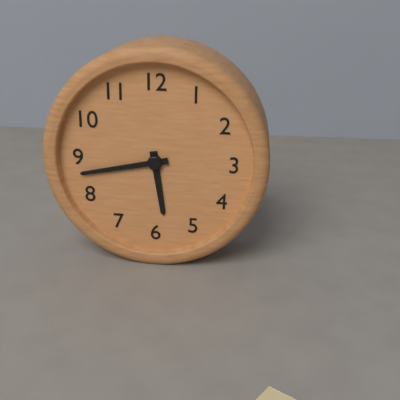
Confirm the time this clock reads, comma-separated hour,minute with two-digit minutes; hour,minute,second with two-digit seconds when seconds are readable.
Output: 5,43
